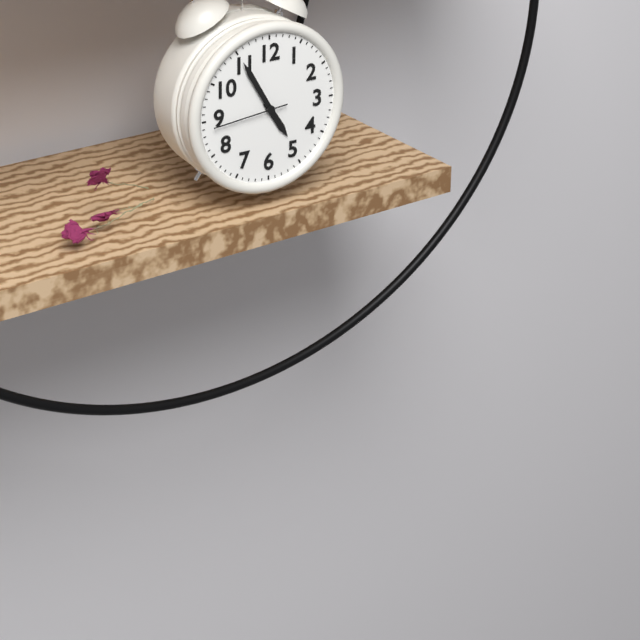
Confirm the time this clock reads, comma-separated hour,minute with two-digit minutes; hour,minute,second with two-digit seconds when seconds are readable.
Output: 4,55,44
